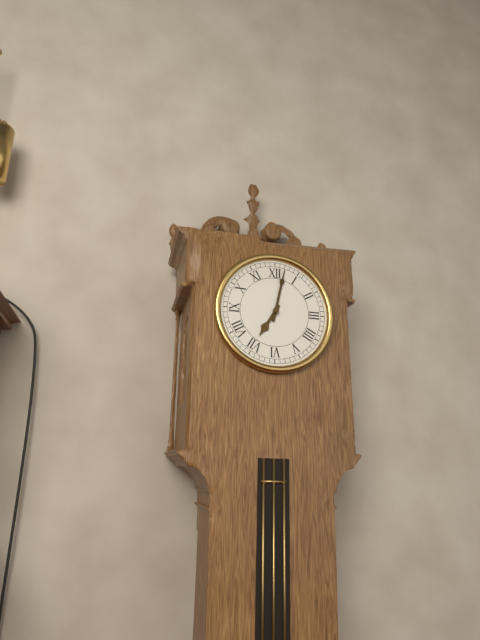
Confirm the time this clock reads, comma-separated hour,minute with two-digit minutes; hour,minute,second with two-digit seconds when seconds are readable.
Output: 7,02
